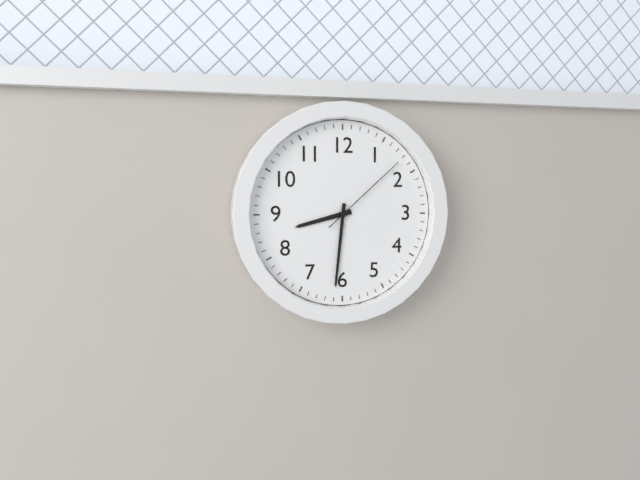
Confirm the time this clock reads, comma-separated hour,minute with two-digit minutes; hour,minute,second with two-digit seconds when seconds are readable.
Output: 8,31,08
